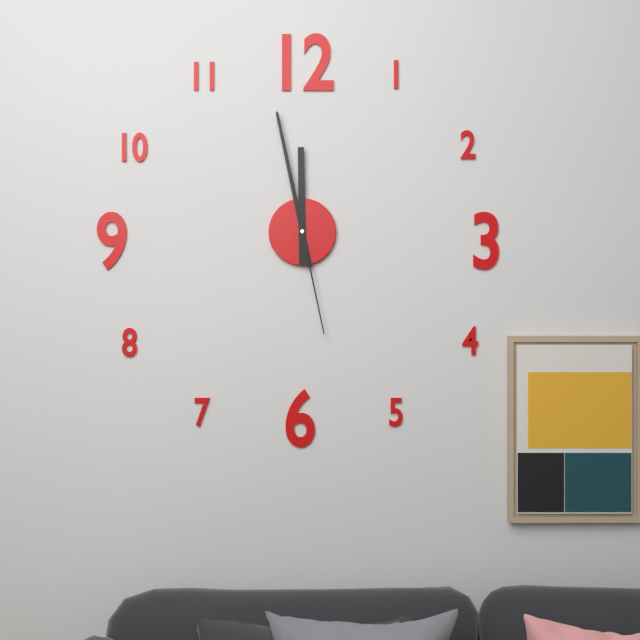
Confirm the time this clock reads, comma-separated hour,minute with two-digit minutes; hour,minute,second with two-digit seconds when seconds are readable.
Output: 11,58,28
